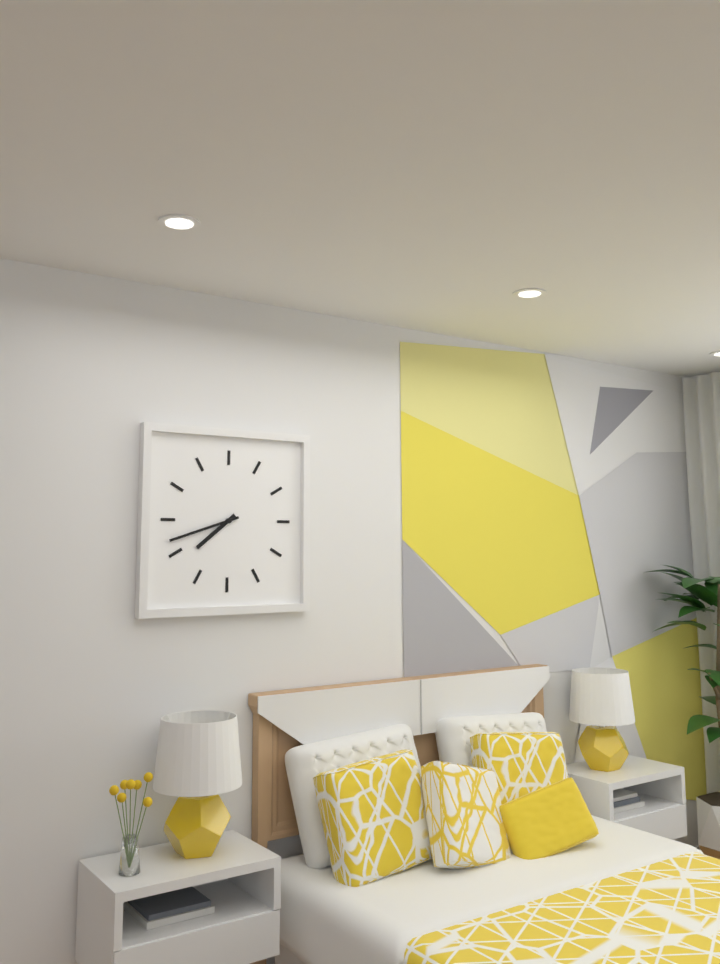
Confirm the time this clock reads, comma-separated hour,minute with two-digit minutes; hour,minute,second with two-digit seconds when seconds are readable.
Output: 7,42
